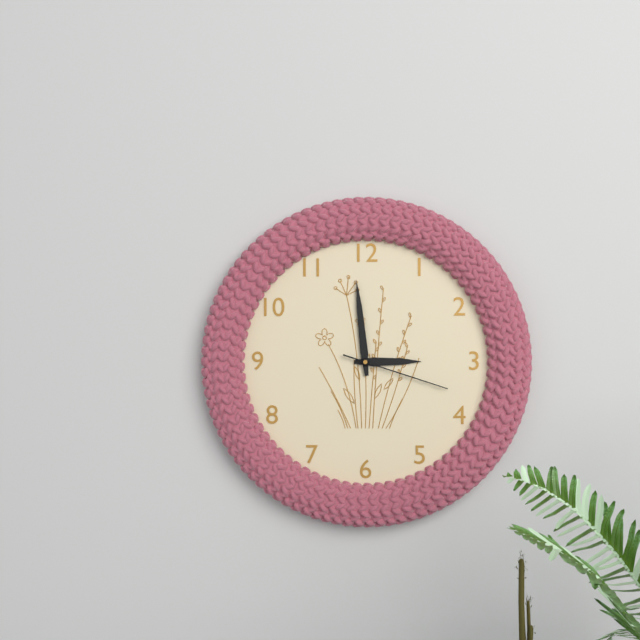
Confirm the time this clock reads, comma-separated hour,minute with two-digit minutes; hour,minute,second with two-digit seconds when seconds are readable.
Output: 2,59,18
